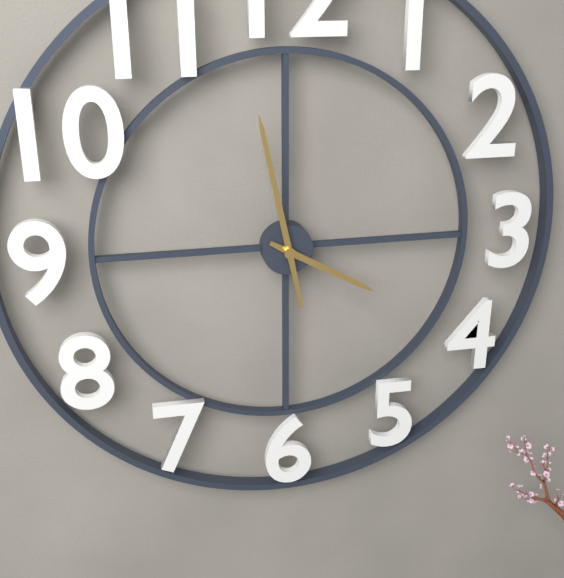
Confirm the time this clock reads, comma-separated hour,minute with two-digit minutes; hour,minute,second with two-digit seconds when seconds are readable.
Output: 3,58
